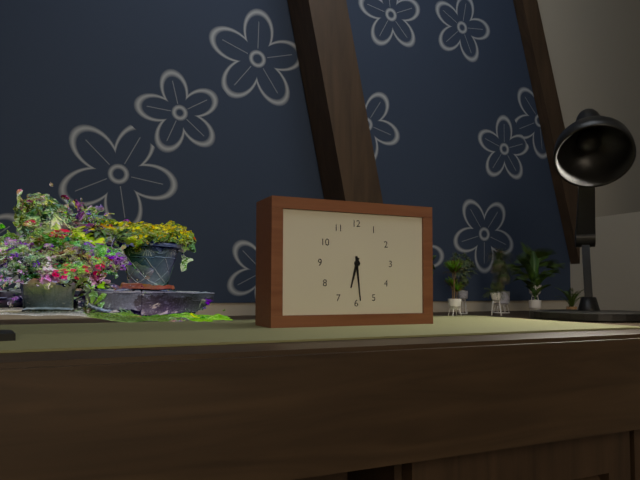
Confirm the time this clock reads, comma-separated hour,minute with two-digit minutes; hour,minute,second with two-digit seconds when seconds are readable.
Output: 6,29
